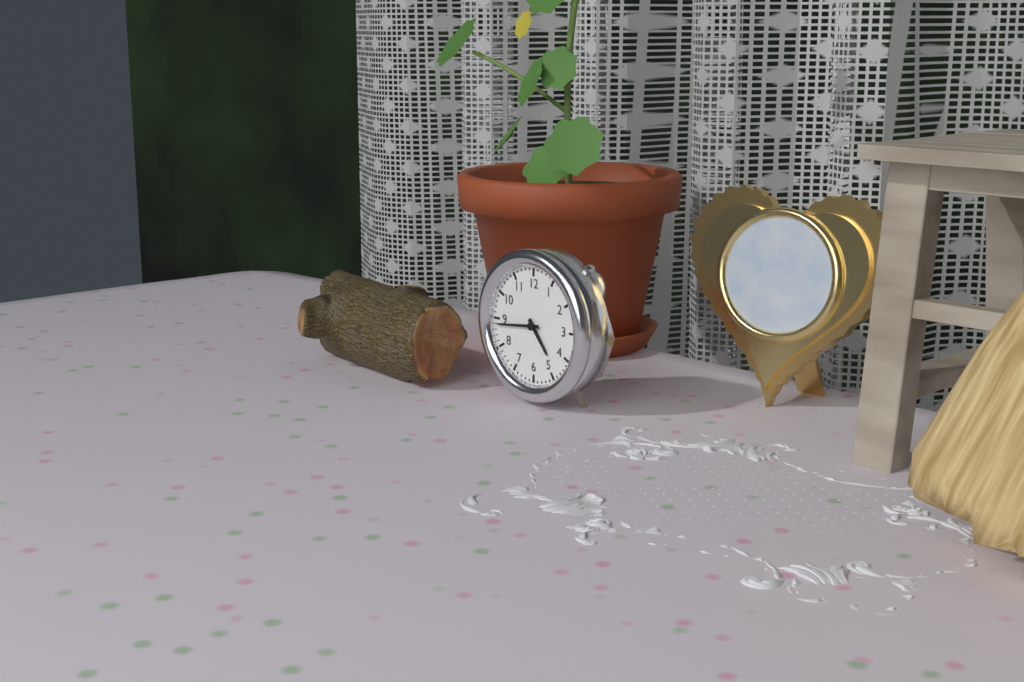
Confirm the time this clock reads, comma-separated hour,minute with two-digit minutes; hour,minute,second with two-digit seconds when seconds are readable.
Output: 4,44
